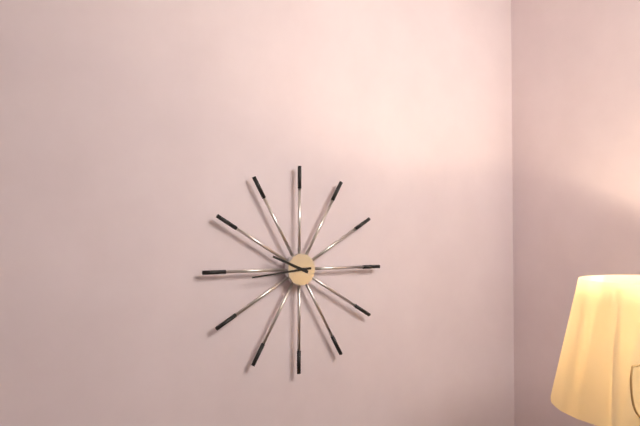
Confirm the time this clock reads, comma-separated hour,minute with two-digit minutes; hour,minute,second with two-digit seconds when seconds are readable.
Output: 9,44
